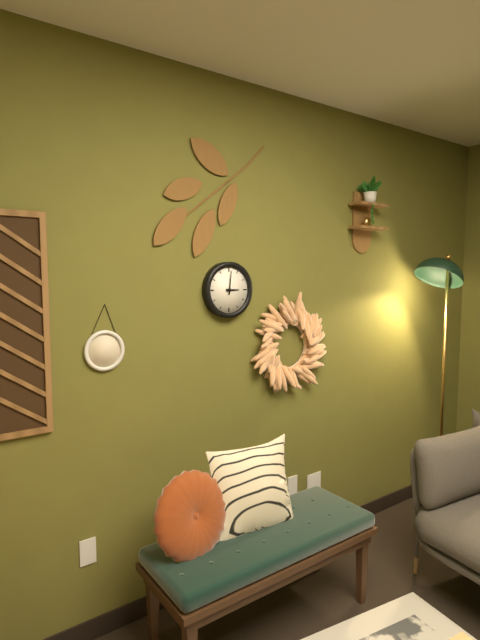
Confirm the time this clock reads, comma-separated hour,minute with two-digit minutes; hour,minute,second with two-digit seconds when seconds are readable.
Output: 3,01
